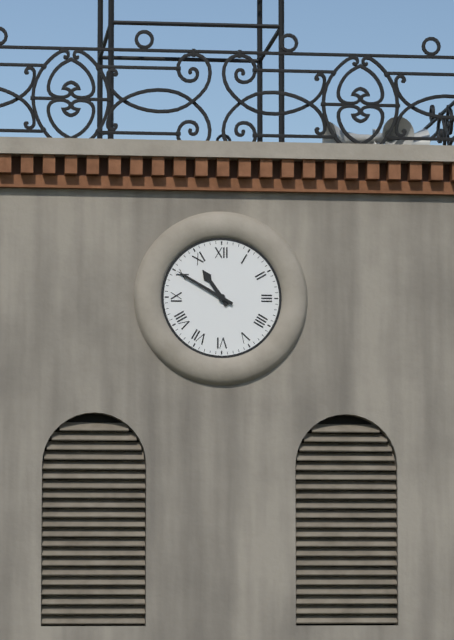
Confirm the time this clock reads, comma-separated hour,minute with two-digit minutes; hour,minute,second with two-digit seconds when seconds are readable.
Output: 10,50
